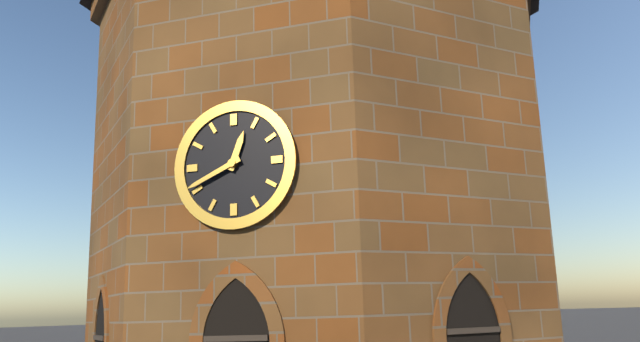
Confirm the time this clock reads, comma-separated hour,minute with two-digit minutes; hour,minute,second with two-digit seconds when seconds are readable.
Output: 12,41
